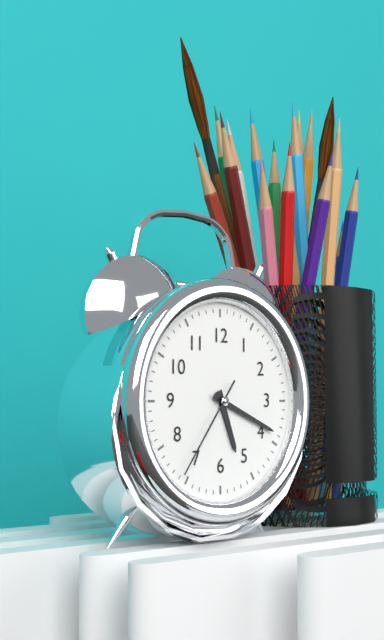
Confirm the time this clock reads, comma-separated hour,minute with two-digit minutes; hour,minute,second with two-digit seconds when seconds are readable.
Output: 5,19,36
